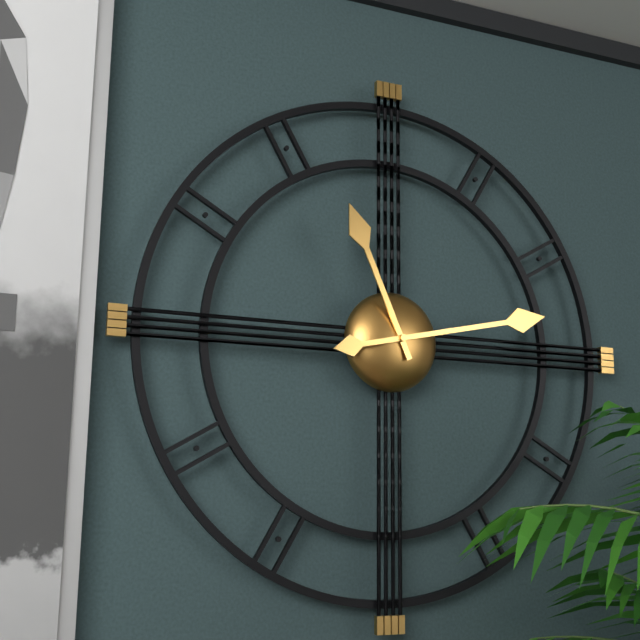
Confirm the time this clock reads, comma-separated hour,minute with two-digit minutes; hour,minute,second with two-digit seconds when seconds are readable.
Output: 11,13
